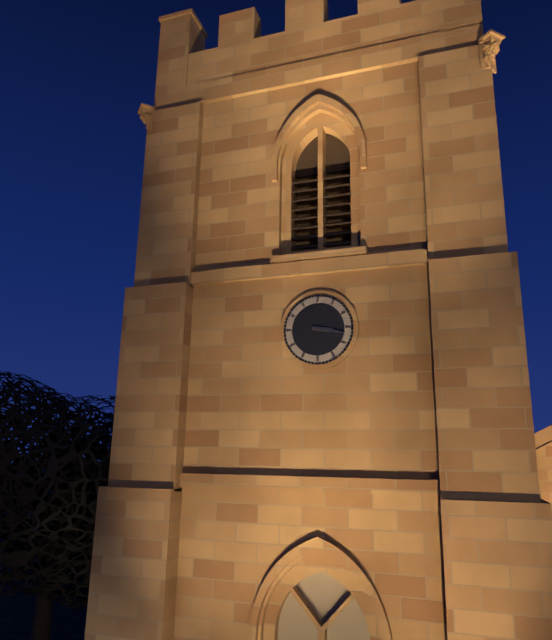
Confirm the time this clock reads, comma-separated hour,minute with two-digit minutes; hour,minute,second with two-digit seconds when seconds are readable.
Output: 3,17
